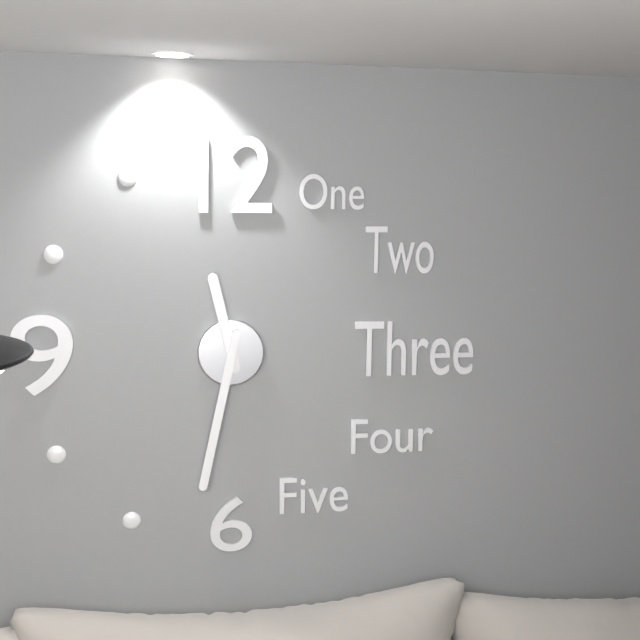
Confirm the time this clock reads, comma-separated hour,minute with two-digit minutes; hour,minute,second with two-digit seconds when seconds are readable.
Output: 11,32
